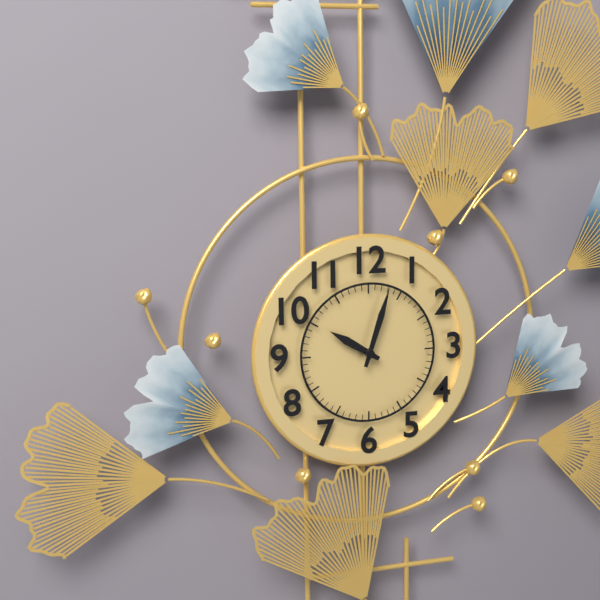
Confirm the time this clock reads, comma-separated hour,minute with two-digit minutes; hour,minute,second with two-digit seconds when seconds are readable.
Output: 10,03
